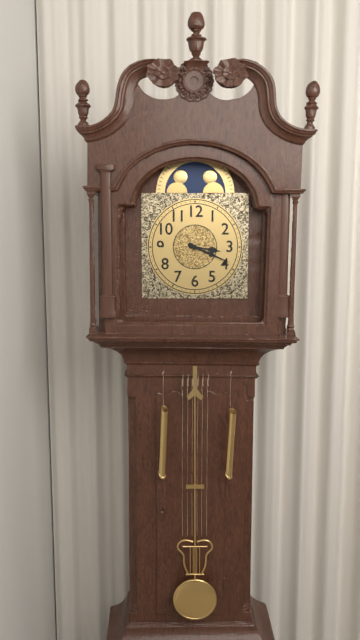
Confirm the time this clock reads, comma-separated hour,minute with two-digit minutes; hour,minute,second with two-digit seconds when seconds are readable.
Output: 3,19
